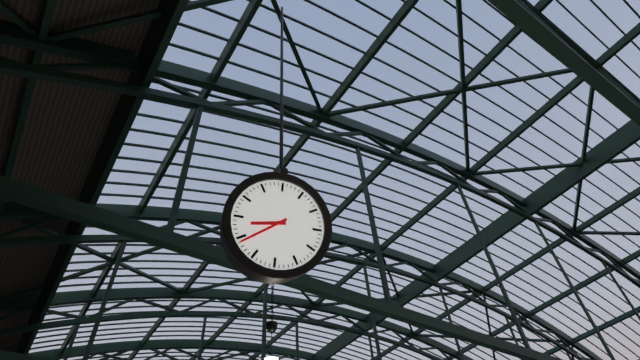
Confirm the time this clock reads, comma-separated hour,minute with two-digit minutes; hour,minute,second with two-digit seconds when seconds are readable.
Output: 8,39
